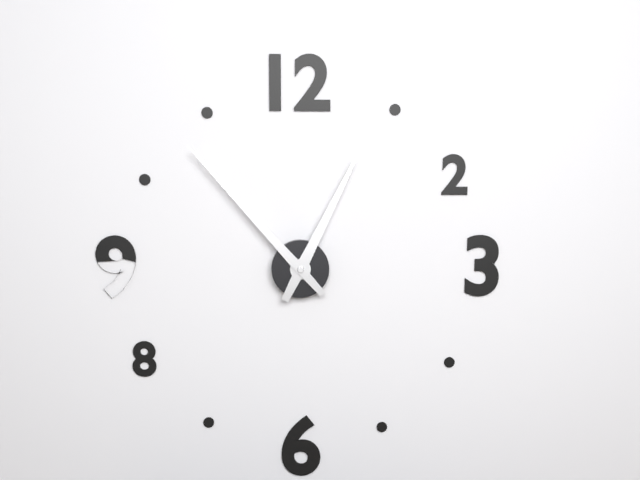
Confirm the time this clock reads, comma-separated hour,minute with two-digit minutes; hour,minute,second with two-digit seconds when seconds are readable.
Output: 12,53
